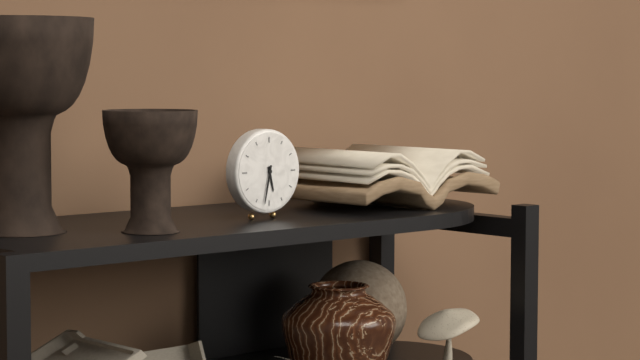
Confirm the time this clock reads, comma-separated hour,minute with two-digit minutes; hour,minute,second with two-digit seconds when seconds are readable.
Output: 5,32
